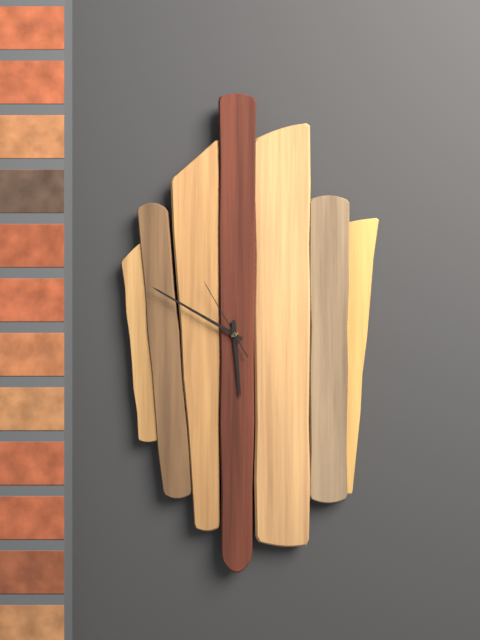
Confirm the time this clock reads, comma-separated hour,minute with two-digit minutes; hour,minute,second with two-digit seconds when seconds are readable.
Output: 5,50,55
